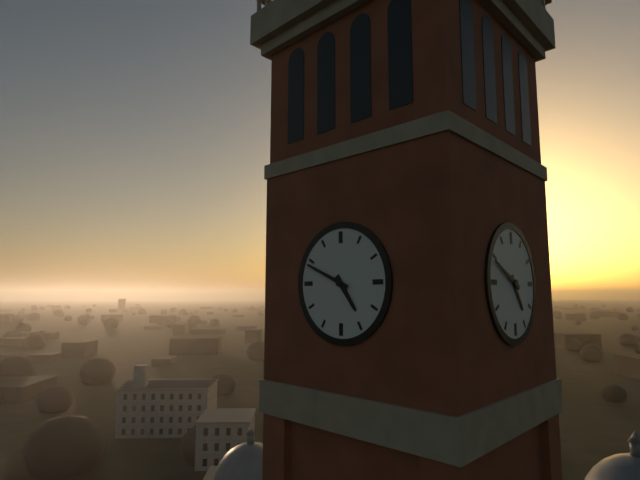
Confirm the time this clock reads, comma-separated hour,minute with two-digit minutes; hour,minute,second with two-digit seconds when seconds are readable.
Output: 4,49
